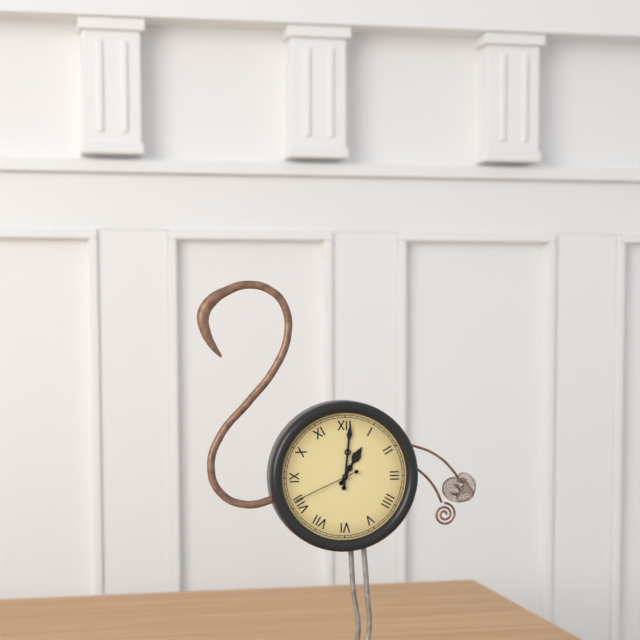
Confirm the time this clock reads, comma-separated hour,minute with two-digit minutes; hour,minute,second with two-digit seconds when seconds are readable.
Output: 1,01,41
